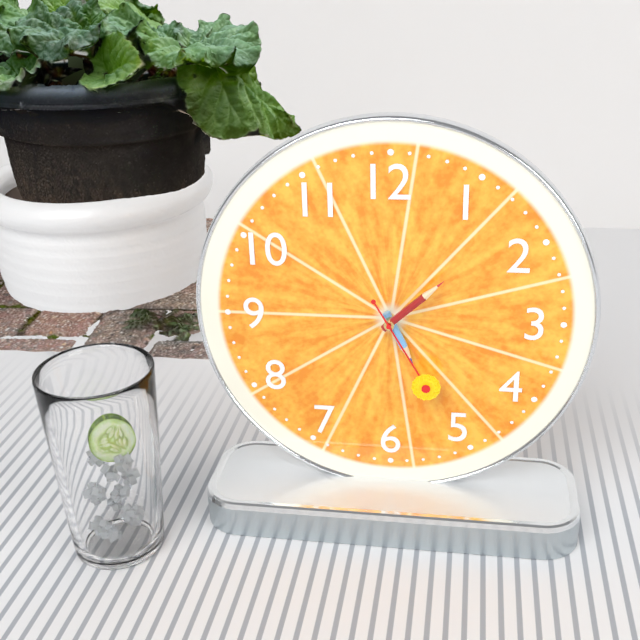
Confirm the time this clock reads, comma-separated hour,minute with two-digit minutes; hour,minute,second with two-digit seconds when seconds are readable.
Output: 5,08,25
